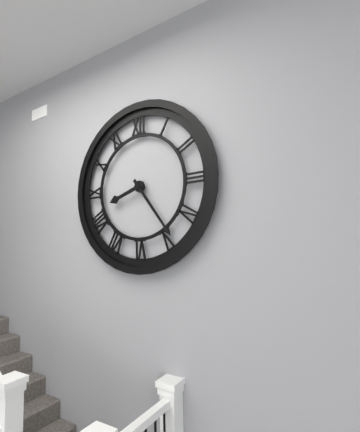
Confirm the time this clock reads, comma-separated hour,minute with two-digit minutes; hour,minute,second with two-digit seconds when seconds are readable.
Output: 8,24
